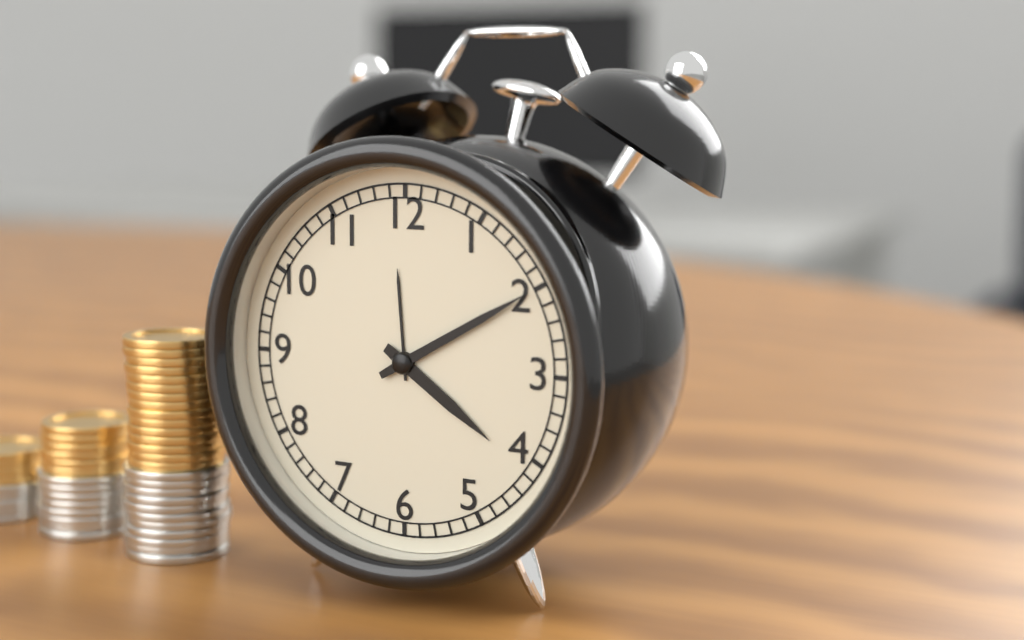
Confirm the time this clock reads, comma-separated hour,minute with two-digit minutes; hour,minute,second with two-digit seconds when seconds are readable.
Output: 4,10
